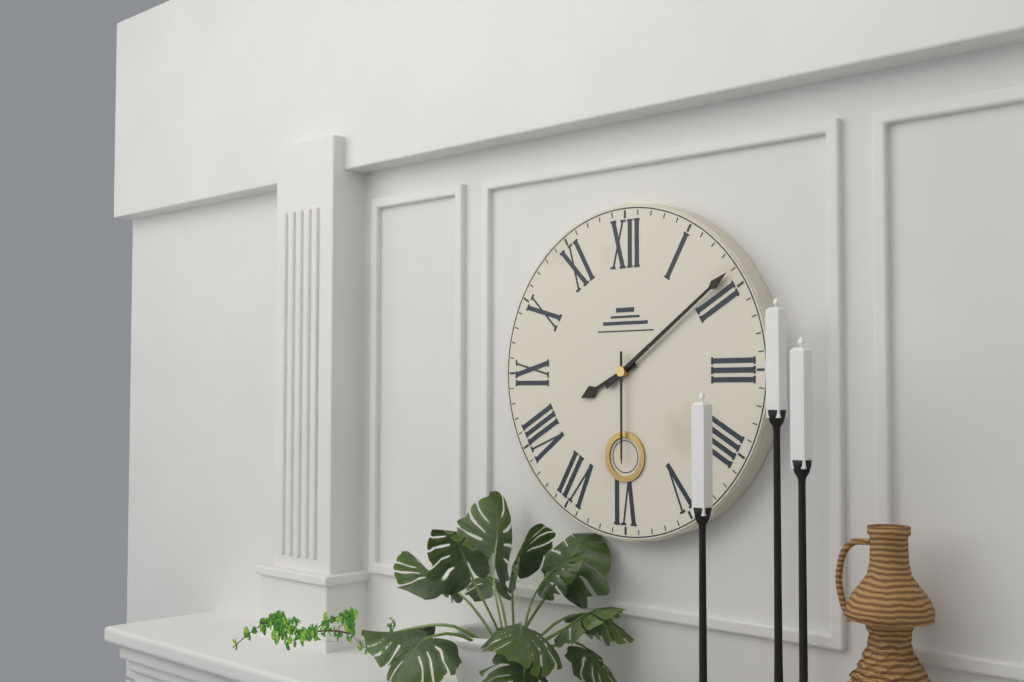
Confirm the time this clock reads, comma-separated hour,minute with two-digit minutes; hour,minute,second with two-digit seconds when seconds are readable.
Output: 8,09,30
